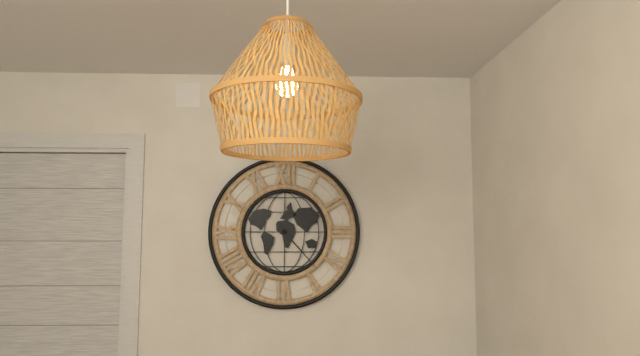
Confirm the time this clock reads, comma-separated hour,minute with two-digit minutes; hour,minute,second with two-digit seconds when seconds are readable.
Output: 12,23
